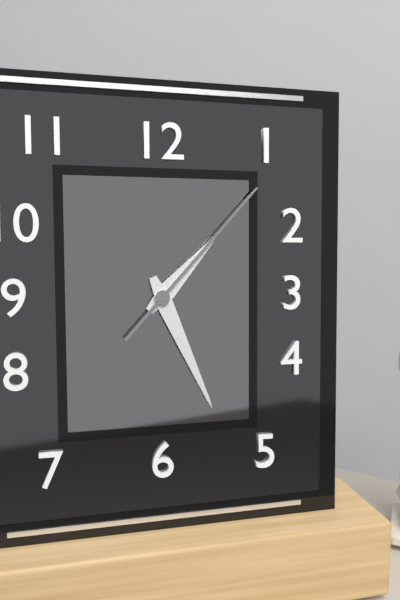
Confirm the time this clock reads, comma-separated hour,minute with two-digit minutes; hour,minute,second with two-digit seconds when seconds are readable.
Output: 1,26,07
